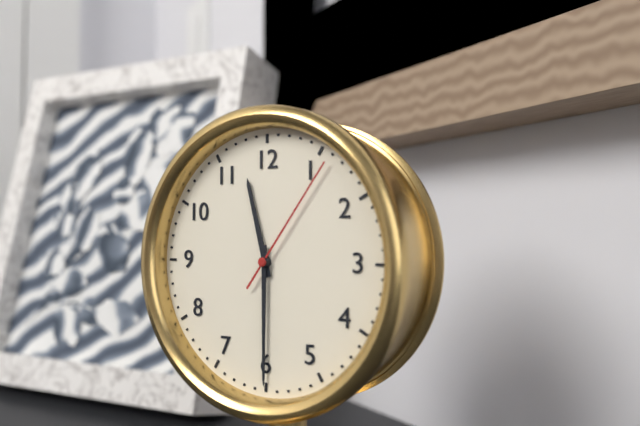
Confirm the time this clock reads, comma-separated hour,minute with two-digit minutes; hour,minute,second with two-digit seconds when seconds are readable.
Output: 11,30,06
